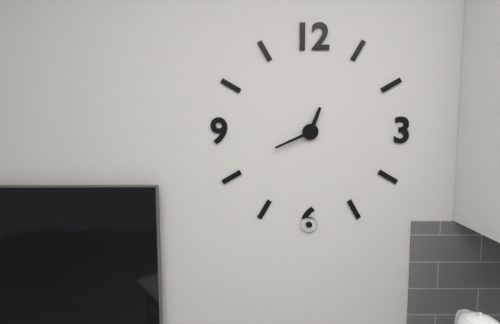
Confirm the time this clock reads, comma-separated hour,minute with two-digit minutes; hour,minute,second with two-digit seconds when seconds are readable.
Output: 12,41
